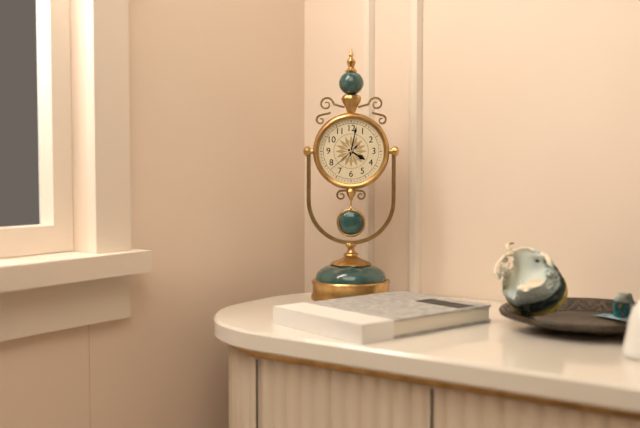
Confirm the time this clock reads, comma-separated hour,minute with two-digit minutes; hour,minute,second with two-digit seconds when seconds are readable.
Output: 4,02
